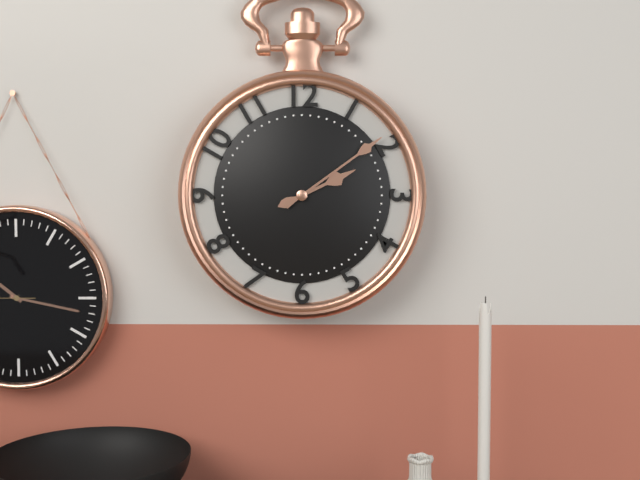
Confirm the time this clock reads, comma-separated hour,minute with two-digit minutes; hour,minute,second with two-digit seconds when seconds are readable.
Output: 2,09
